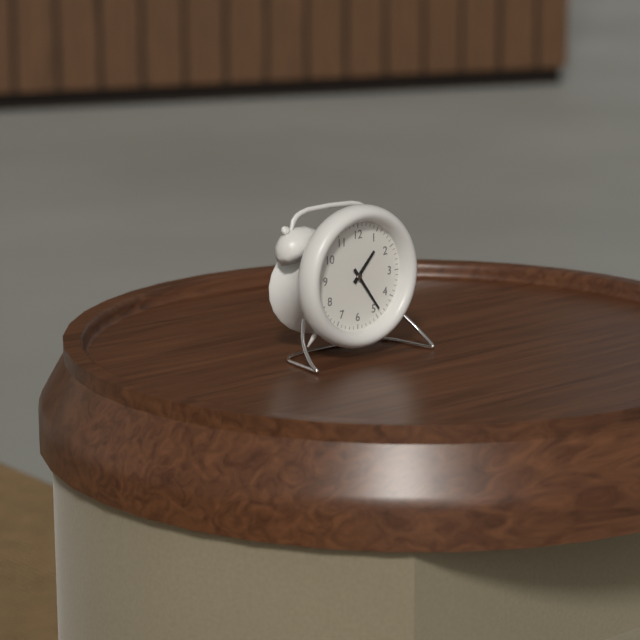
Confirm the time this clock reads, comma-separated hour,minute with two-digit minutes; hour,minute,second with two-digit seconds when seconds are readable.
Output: 1,24
